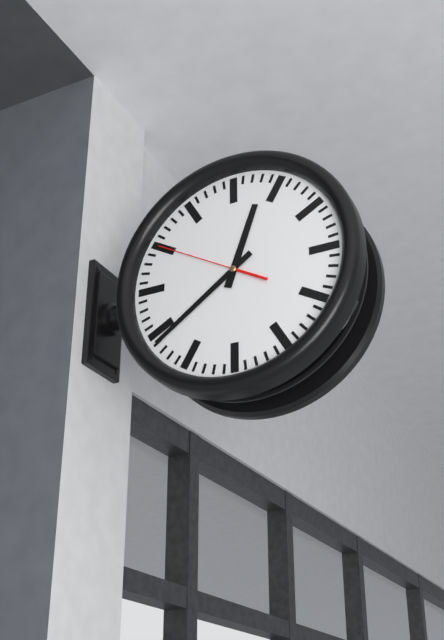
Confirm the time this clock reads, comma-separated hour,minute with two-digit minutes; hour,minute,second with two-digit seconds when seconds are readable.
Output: 12,39,50
